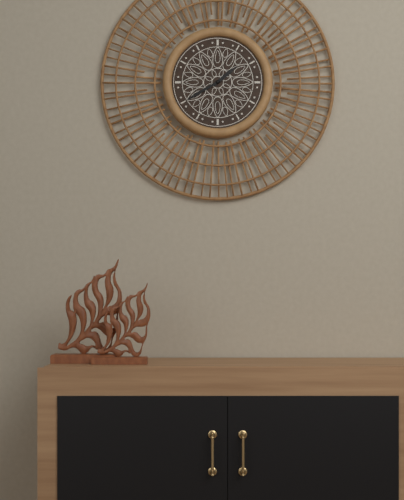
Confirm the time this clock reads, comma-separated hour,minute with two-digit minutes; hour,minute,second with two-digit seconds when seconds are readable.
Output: 1,40
